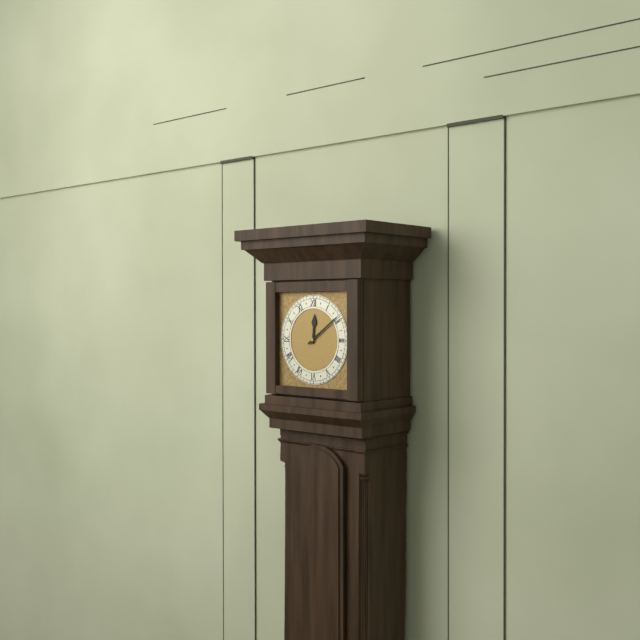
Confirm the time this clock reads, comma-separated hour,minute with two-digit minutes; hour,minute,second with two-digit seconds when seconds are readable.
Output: 12,09
